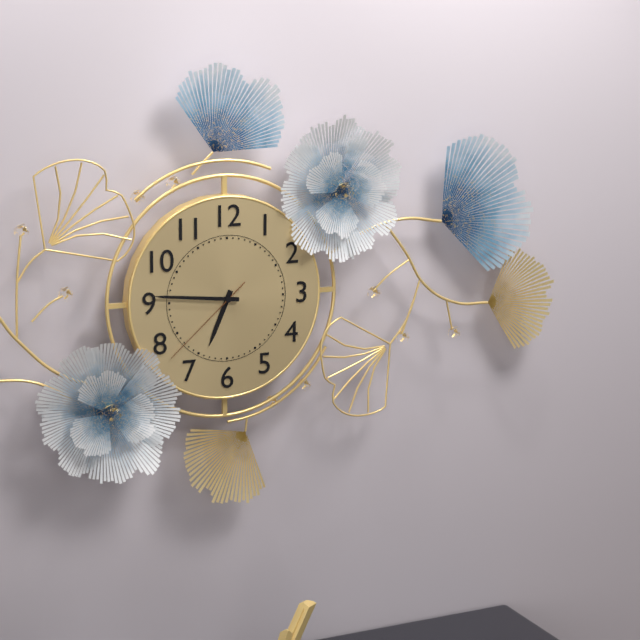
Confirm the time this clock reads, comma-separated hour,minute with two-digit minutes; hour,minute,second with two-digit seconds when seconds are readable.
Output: 6,46,38
